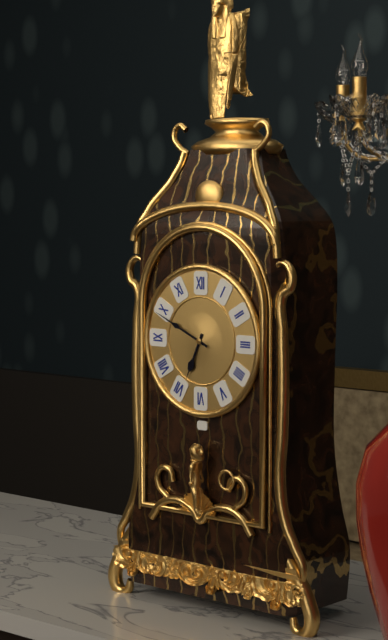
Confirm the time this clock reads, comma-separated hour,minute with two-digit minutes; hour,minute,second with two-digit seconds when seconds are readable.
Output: 6,49
